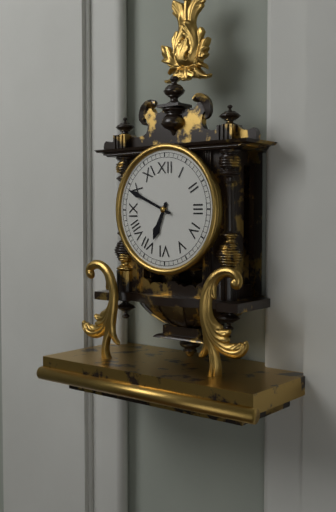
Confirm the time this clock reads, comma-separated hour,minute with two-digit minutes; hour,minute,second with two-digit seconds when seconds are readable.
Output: 6,49
